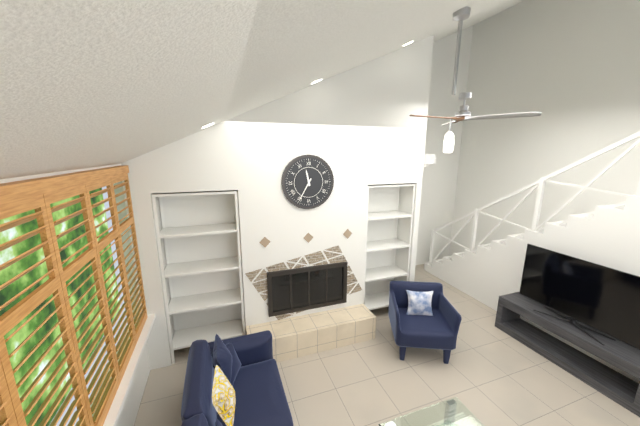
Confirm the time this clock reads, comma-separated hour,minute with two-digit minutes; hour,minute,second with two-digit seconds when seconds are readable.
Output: 11,35
